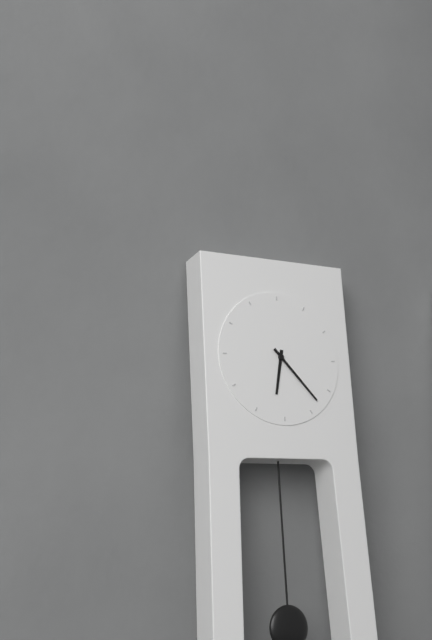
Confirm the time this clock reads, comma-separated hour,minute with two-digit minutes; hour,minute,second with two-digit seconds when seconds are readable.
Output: 6,23
